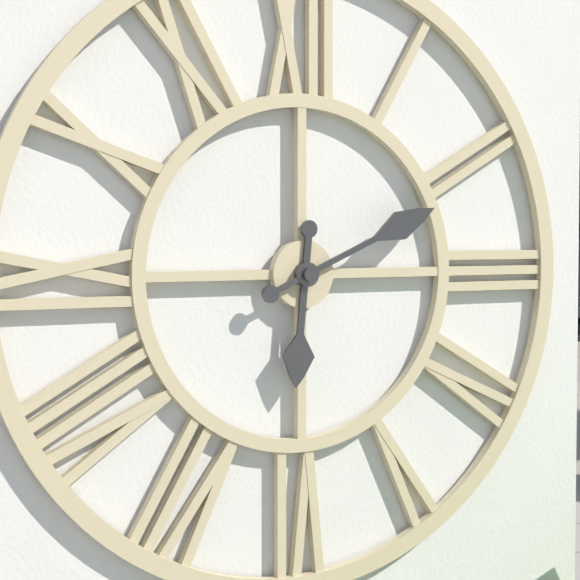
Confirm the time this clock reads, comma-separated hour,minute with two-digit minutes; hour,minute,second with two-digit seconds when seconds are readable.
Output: 6,11
